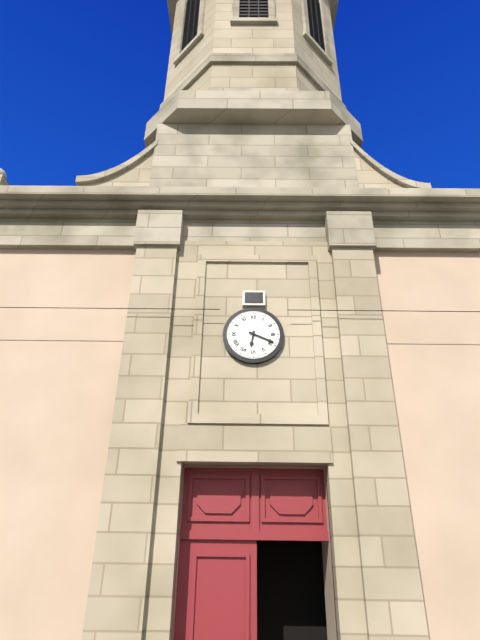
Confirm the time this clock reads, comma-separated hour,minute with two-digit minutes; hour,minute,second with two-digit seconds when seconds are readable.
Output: 6,19
